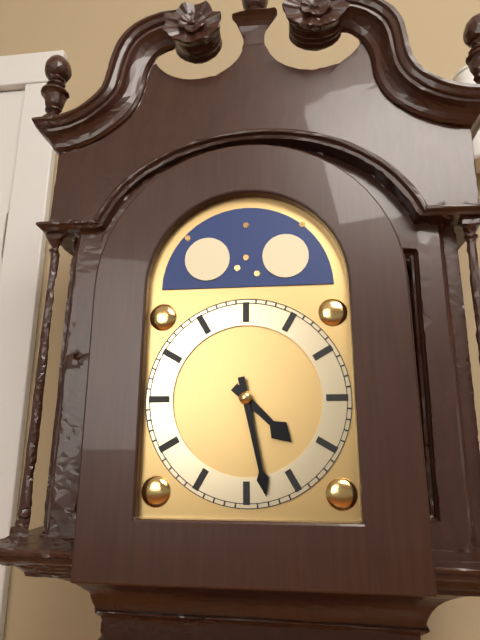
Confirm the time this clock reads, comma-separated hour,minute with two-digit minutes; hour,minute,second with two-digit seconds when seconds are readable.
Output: 4,28
